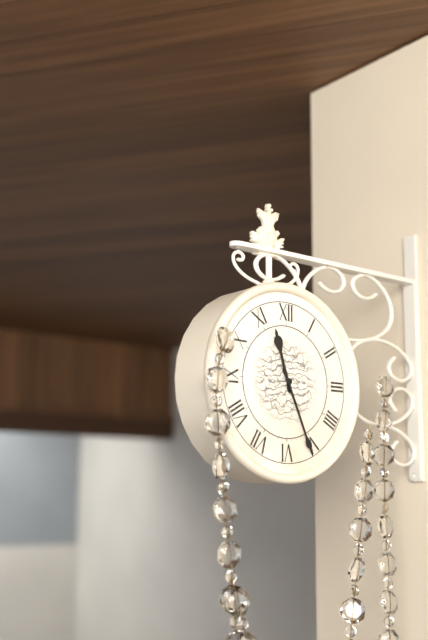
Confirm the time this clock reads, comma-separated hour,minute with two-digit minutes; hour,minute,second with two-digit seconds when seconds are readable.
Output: 11,26
